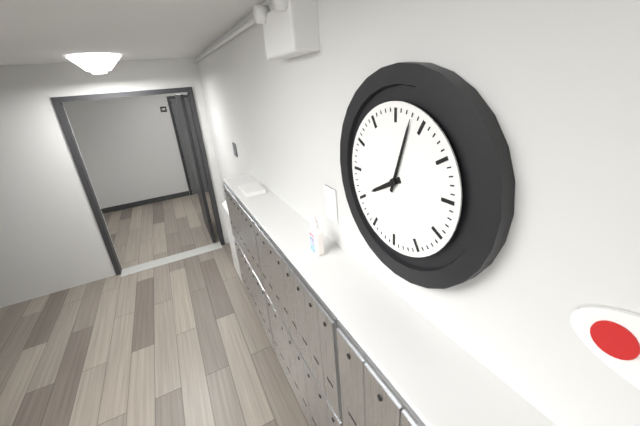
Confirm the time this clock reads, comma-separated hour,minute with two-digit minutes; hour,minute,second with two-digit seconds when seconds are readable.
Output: 8,03
